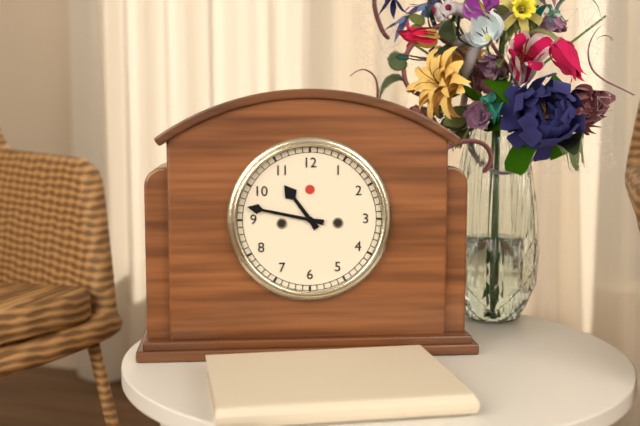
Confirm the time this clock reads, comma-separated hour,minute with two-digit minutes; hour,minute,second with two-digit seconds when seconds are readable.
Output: 10,47
